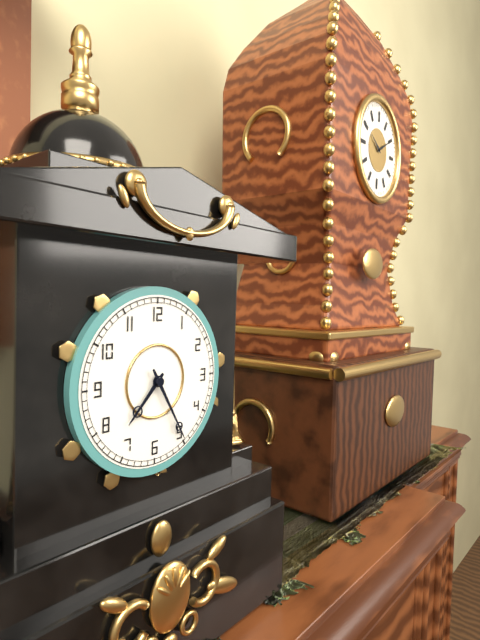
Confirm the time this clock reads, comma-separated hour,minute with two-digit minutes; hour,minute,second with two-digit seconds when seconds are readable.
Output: 7,25
